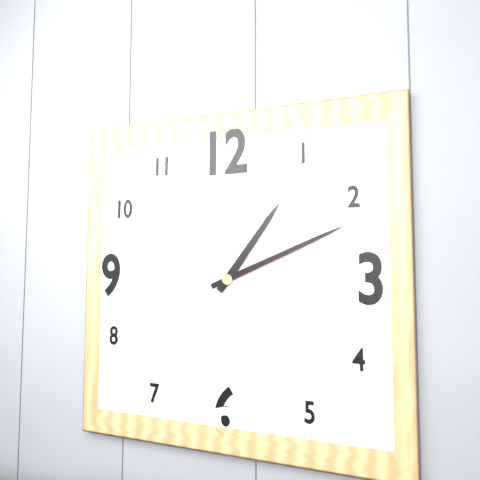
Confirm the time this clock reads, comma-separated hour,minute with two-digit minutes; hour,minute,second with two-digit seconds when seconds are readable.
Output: 1,11
